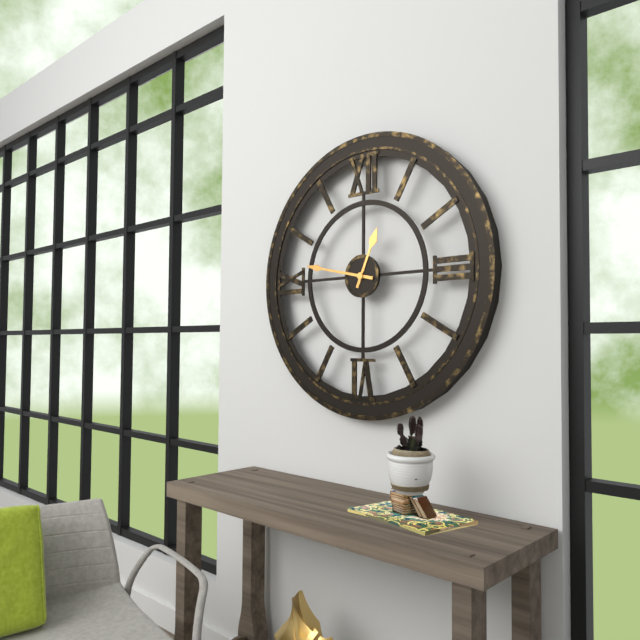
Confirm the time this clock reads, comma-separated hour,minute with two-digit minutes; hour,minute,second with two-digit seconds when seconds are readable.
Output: 12,47
